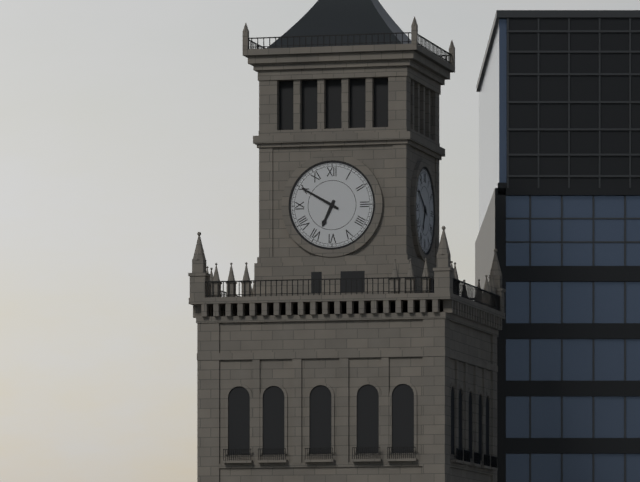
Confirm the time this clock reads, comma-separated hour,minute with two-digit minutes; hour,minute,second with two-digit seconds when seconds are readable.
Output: 6,50
